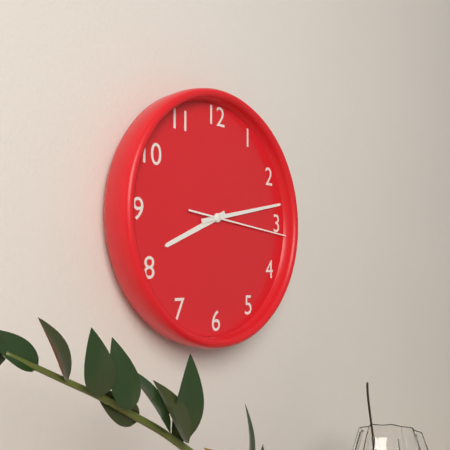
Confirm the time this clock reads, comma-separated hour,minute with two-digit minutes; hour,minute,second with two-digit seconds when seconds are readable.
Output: 8,13,16
